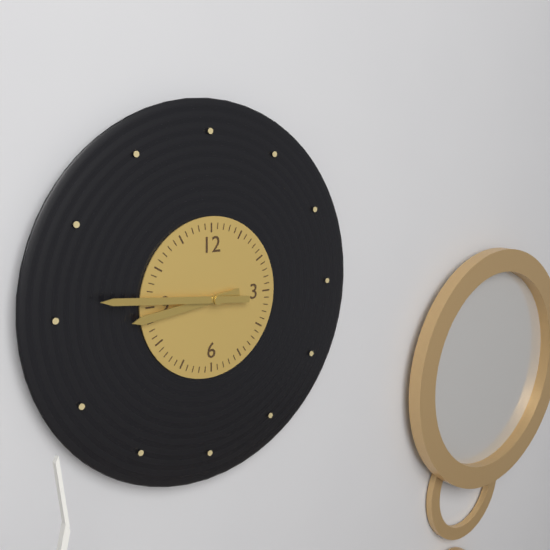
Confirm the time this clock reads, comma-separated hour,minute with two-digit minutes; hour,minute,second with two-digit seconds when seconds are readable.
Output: 8,46
